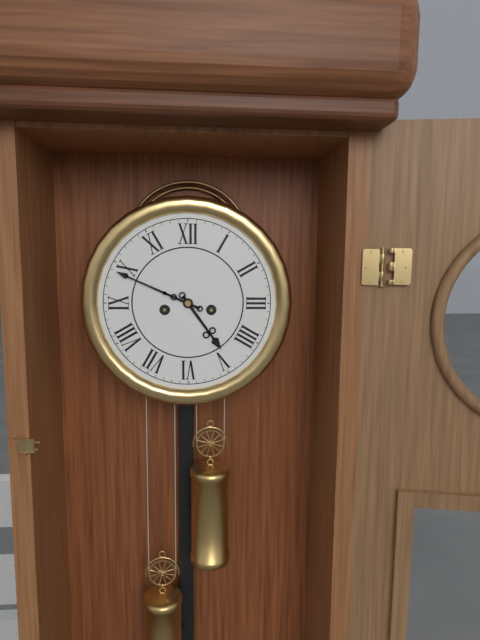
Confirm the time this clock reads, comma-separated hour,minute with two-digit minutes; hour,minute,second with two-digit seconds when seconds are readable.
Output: 4,49
